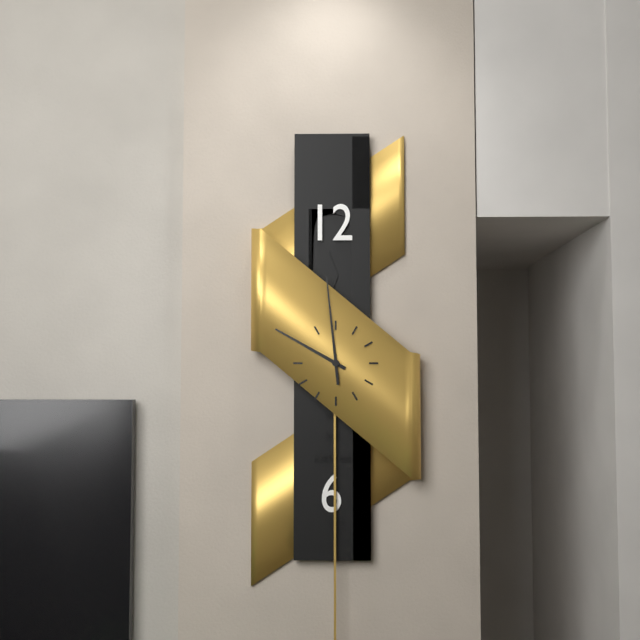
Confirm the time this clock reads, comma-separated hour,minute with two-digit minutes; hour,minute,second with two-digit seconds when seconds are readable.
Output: 9,59
